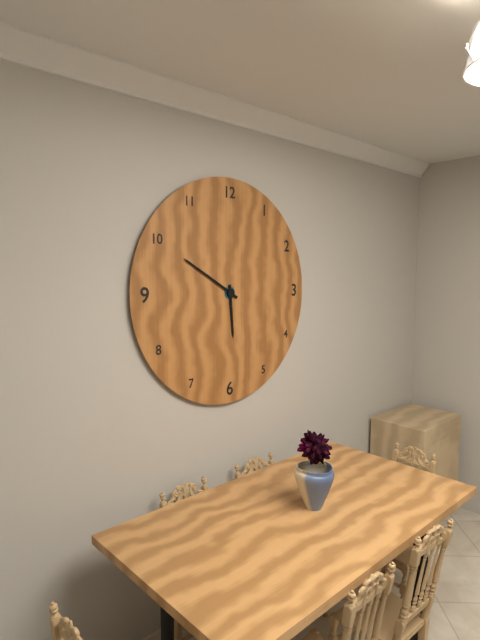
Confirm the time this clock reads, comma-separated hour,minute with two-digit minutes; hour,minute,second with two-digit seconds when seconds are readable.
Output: 5,50
